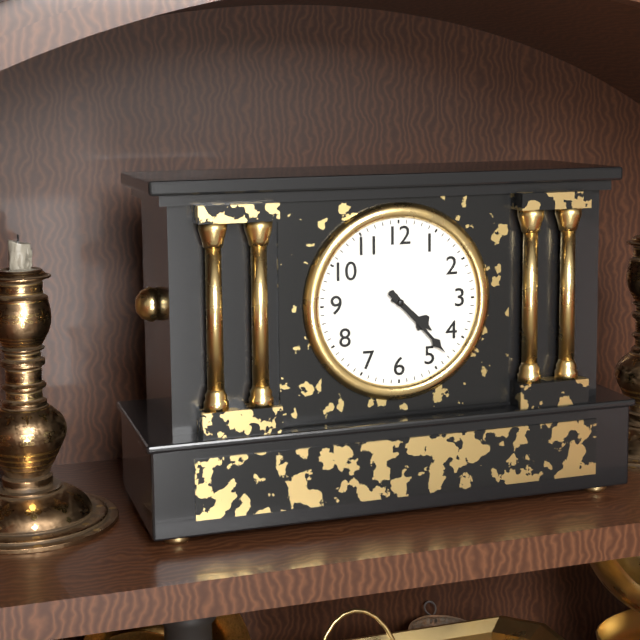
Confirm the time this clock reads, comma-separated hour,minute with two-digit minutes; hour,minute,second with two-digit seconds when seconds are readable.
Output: 4,23
